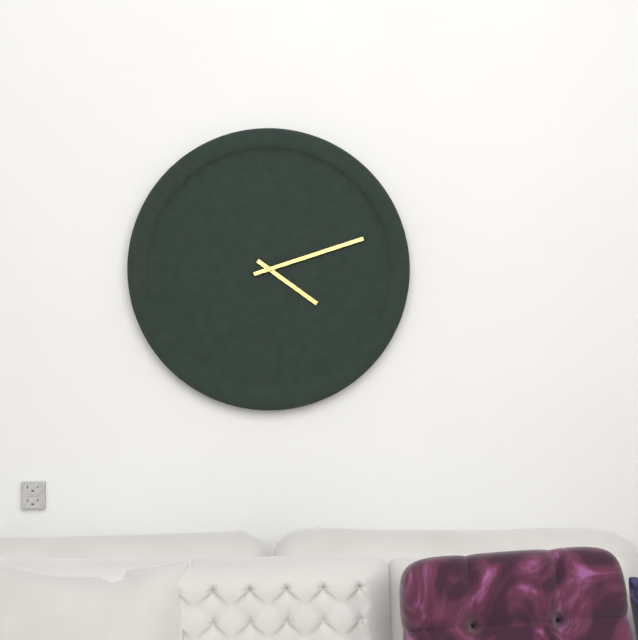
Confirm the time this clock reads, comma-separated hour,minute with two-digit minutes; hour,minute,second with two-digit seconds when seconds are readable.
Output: 4,12
